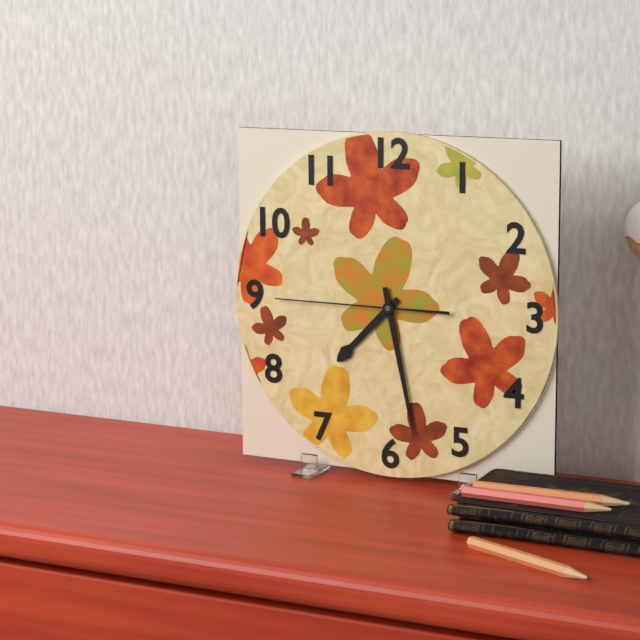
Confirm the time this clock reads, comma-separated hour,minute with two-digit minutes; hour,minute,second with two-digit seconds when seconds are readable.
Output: 7,28,45
